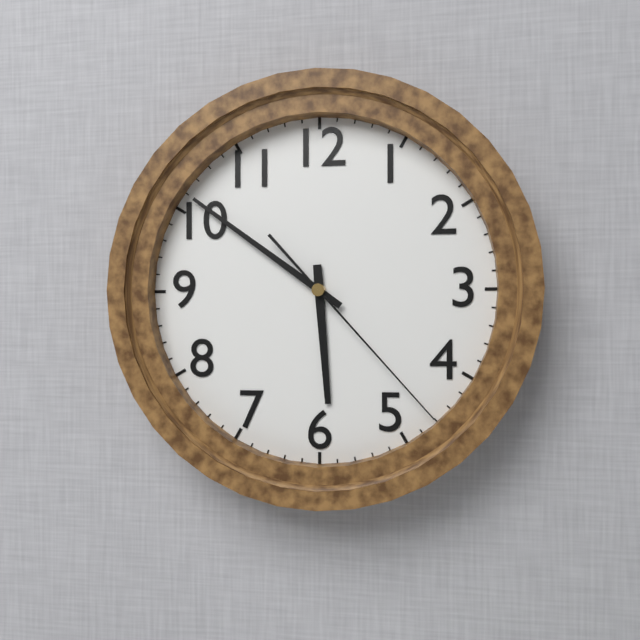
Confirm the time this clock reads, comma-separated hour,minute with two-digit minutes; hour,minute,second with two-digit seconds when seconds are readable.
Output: 5,51,23
